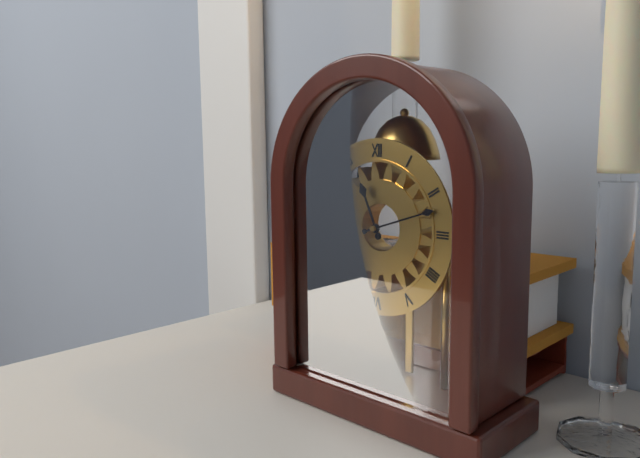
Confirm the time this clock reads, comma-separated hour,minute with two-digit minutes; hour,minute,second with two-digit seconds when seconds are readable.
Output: 11,12
